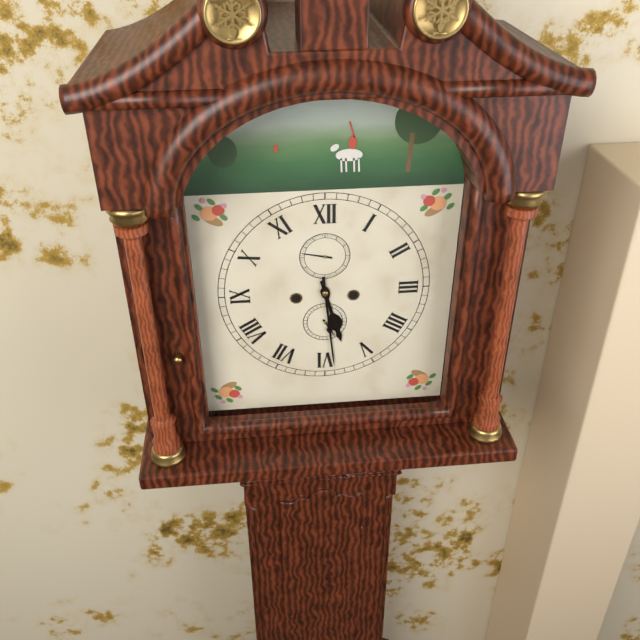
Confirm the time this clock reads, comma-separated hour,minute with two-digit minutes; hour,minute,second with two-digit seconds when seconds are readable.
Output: 5,29
